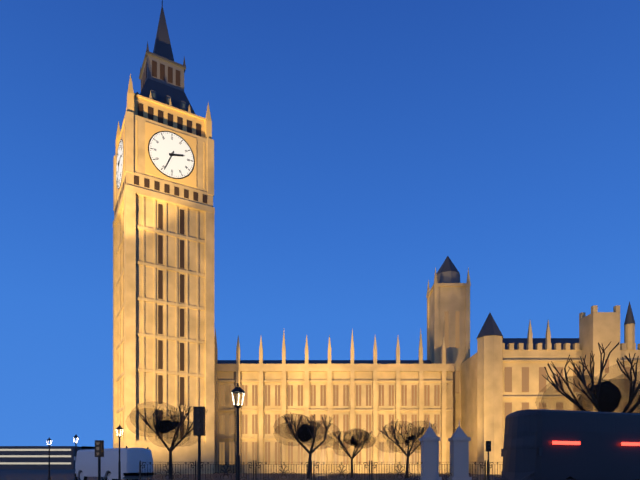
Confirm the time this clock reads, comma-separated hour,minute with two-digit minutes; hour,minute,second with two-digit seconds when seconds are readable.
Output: 2,34
